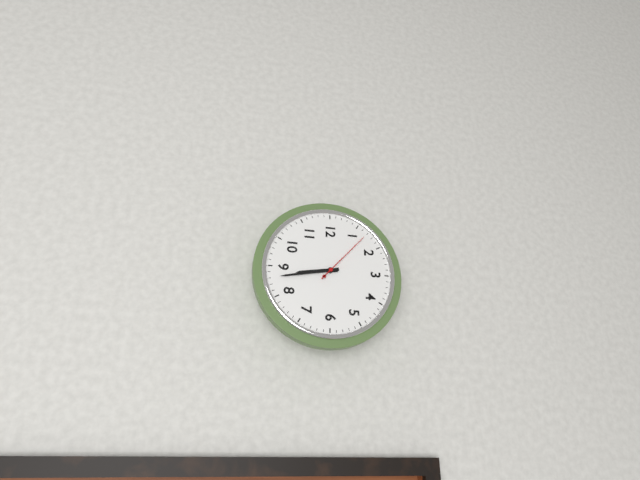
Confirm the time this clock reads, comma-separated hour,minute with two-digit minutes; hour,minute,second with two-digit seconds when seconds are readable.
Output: 8,43,07
